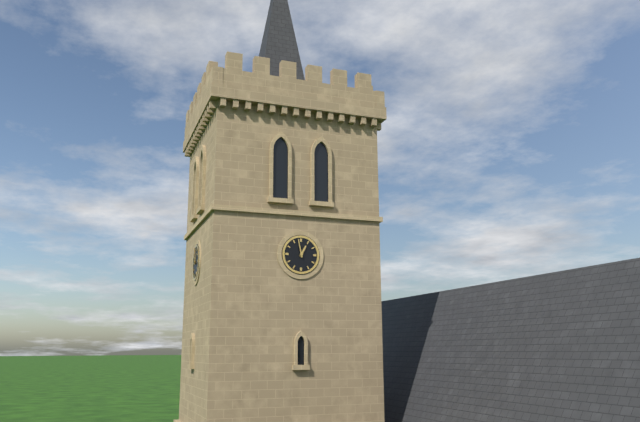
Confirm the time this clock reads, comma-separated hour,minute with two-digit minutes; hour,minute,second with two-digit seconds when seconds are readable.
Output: 12,58
